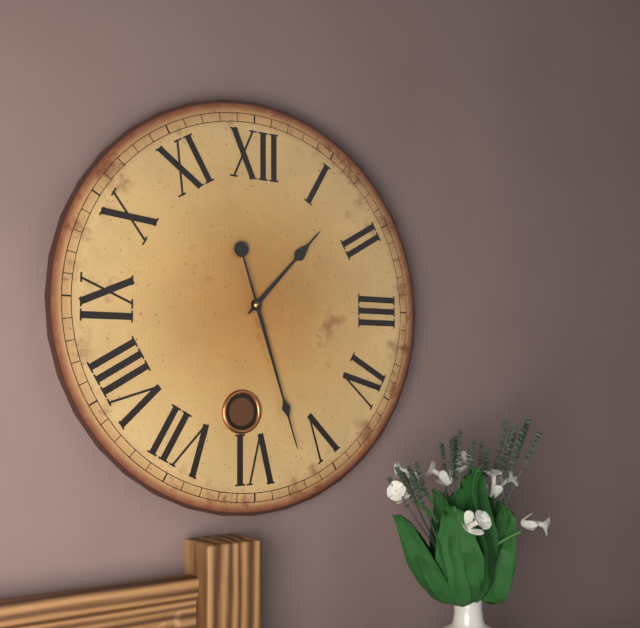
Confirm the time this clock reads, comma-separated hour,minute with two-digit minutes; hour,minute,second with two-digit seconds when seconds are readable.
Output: 1,27
